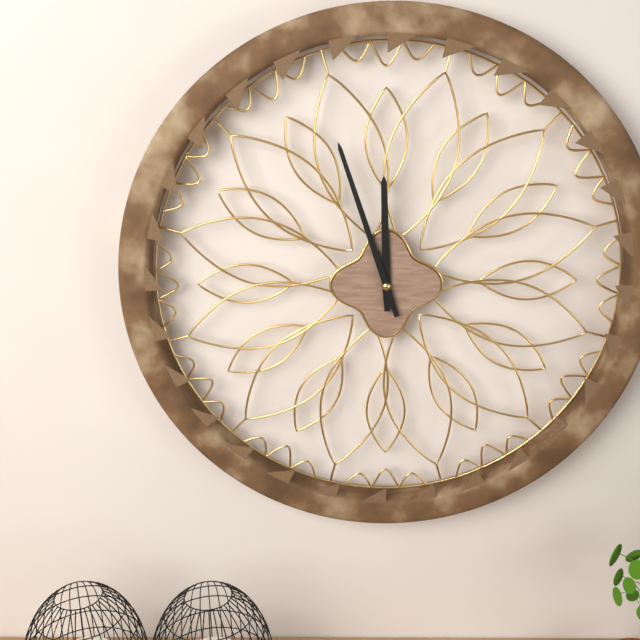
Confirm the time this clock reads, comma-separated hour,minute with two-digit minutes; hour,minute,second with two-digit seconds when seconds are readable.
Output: 11,57
